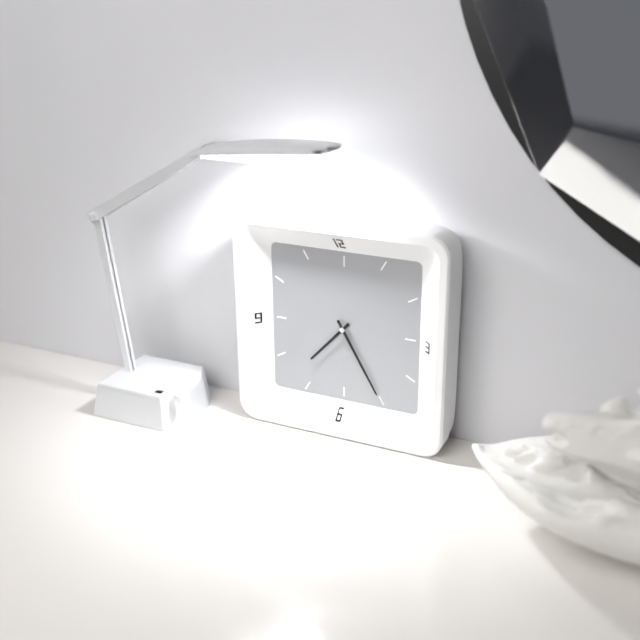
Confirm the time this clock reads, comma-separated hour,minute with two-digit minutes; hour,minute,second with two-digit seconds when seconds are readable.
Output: 7,25
